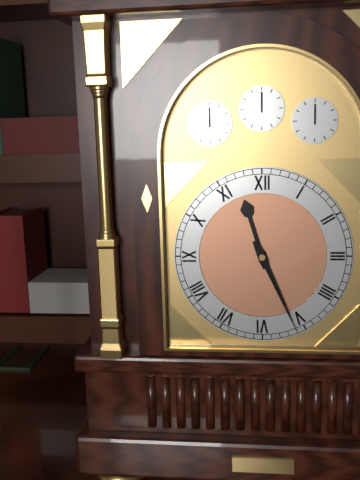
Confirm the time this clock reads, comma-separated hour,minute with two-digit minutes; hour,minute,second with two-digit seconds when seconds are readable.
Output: 11,26
